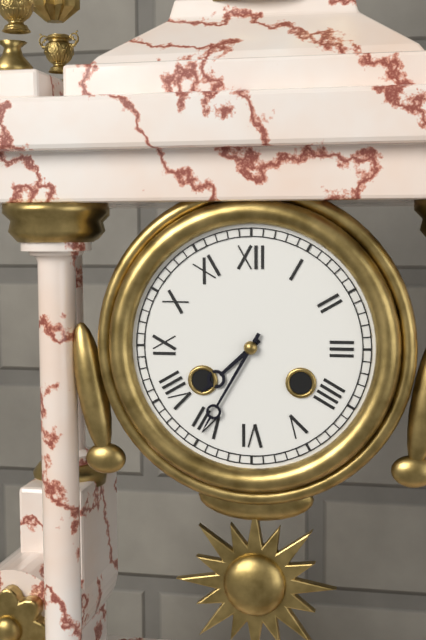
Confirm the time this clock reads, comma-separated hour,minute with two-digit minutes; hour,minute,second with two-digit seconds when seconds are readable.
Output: 7,35
